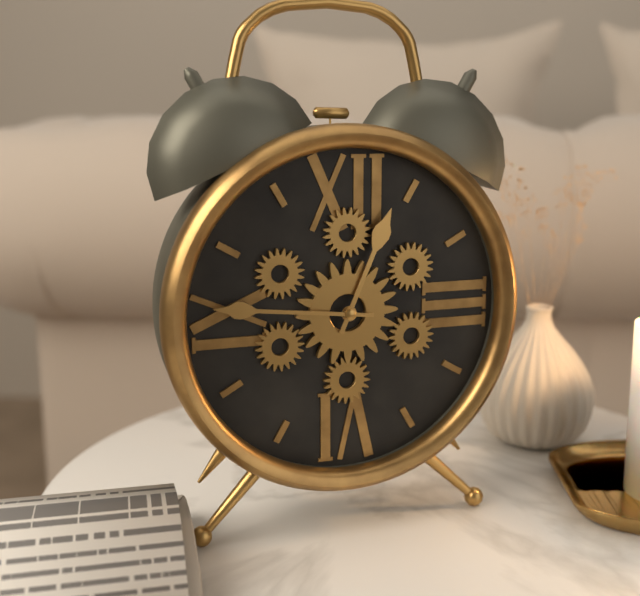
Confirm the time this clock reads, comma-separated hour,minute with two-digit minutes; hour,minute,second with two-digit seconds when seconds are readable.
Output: 12,46
